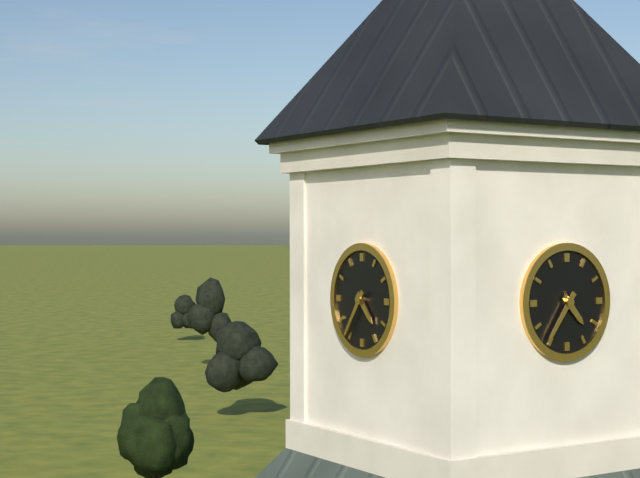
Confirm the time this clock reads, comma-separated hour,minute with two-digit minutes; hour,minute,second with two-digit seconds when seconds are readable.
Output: 4,36
